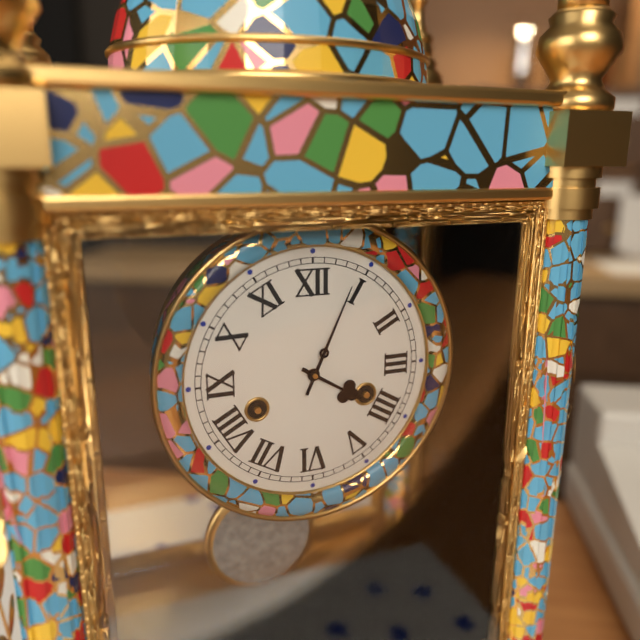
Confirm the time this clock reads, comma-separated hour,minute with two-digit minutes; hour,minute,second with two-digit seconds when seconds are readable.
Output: 4,04
